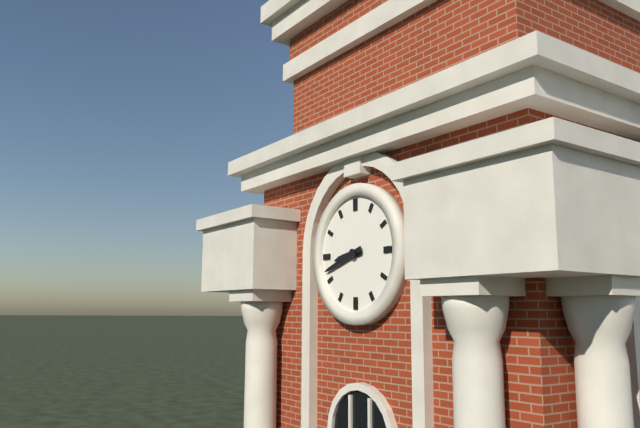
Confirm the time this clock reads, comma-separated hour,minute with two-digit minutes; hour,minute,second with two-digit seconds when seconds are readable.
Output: 8,42
